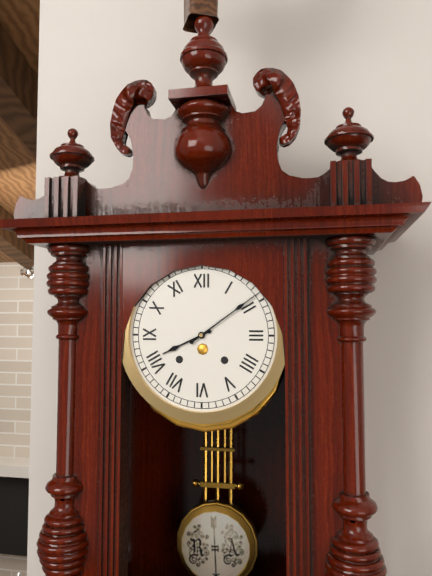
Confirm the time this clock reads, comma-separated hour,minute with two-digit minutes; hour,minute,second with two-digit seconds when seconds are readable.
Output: 8,09
